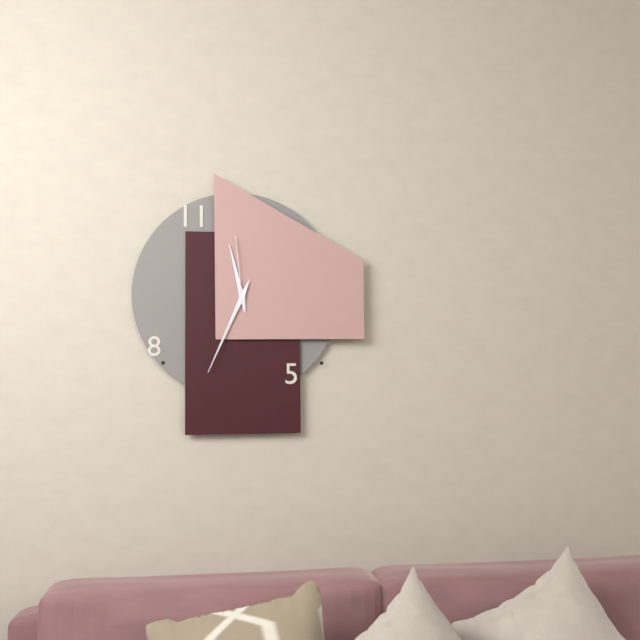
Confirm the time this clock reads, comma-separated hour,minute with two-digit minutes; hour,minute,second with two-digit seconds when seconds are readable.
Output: 11,34,59
